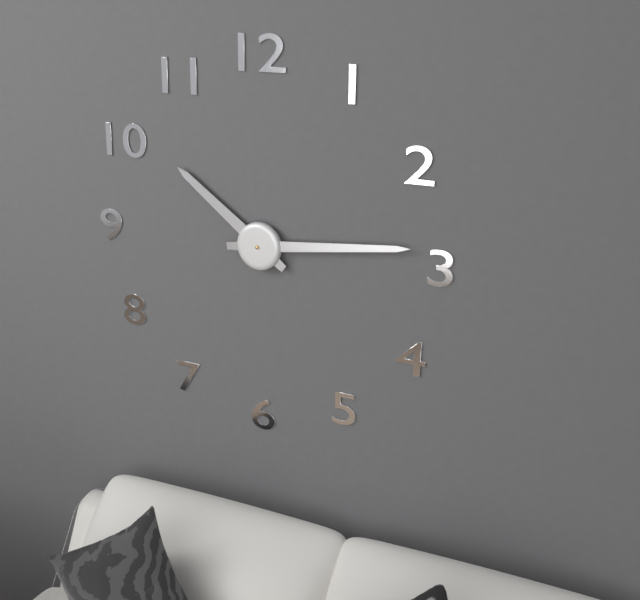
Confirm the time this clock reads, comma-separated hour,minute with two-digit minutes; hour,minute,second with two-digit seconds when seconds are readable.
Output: 10,14
